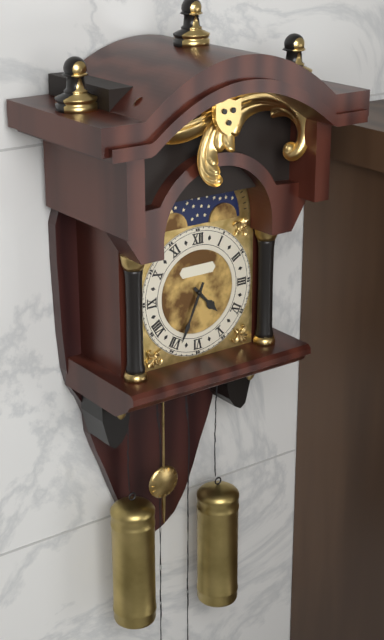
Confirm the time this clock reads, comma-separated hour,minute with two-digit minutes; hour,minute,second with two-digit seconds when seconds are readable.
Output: 4,34
